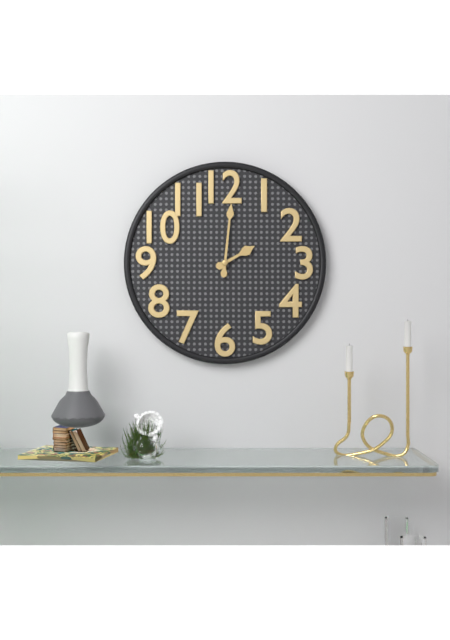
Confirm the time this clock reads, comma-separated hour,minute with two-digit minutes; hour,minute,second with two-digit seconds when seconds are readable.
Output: 2,01
